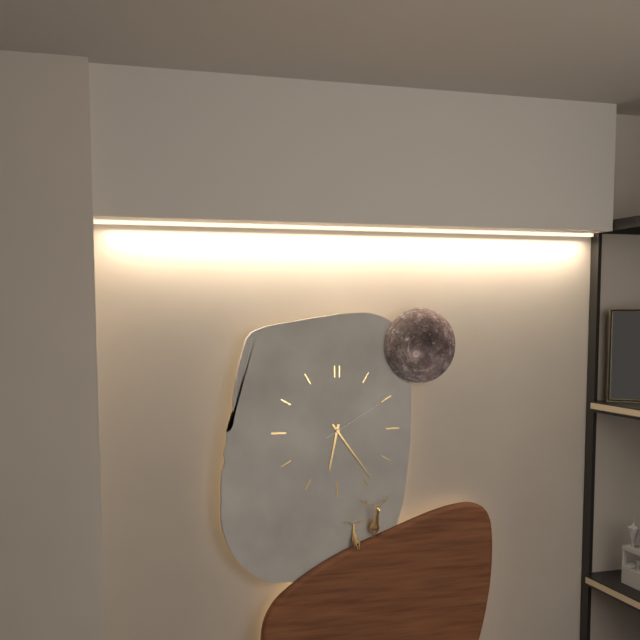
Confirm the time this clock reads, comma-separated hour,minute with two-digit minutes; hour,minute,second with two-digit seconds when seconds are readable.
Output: 6,24,10
